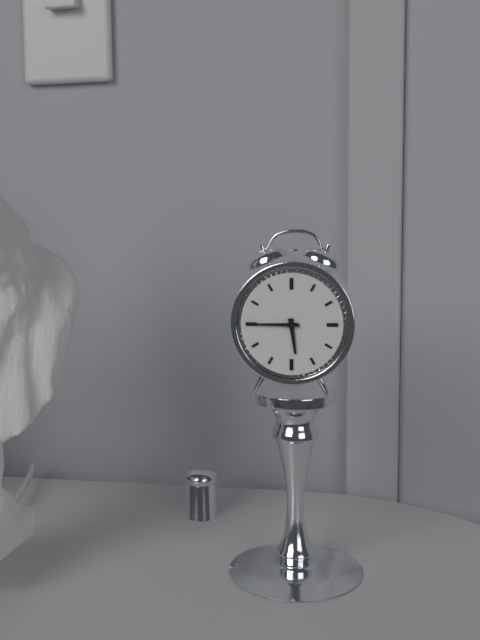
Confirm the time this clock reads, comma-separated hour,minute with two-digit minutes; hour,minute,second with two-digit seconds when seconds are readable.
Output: 5,45
